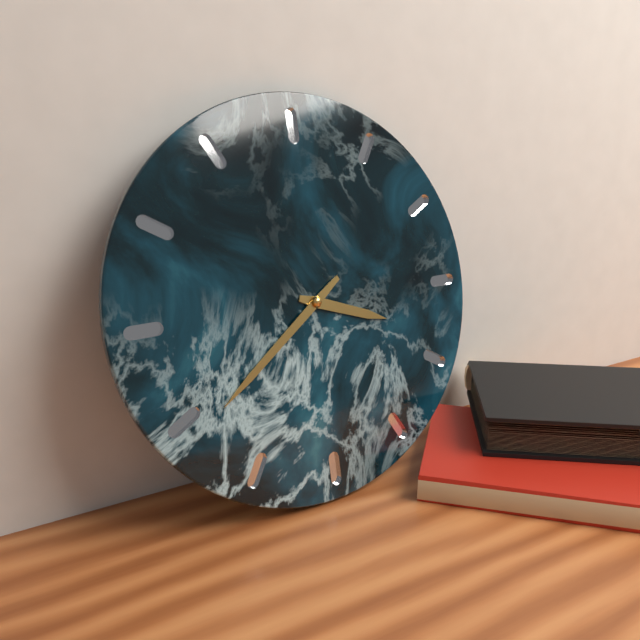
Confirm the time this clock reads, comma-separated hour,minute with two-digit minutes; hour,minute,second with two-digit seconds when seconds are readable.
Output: 3,39
